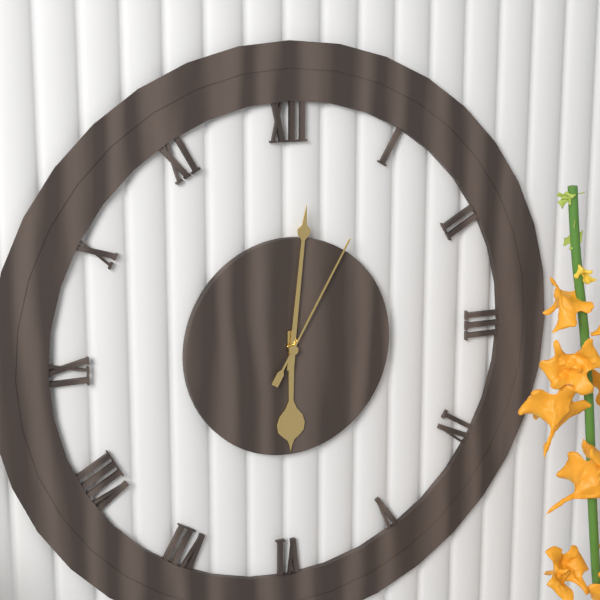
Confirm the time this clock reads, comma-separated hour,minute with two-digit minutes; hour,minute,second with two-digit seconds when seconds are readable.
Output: 6,01,05
